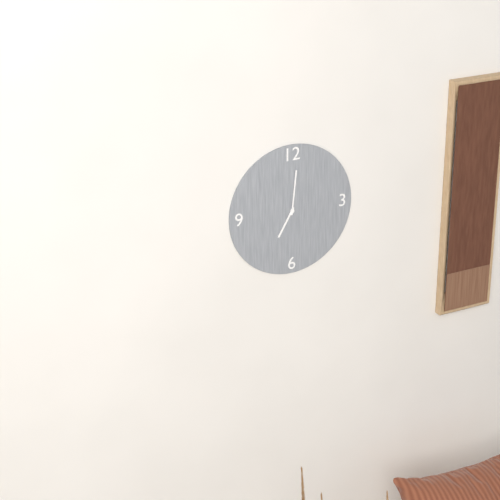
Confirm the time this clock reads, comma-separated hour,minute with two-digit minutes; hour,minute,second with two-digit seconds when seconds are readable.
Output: 7,01
